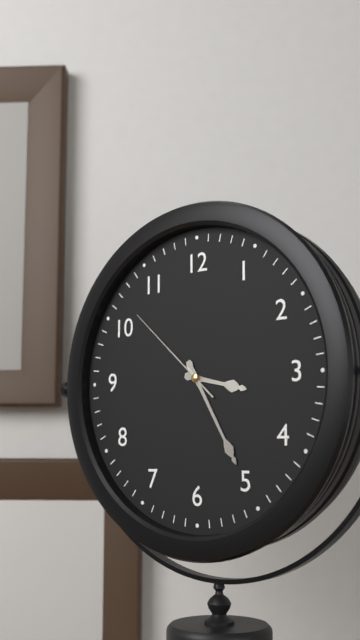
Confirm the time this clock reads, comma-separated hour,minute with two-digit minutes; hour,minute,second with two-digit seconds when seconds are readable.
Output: 3,25,52
